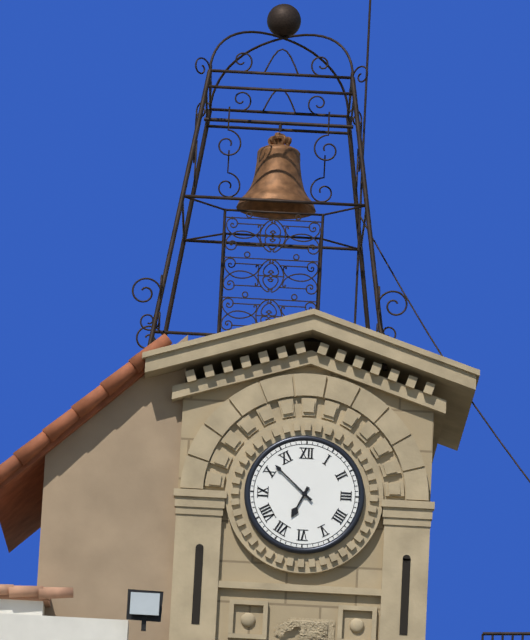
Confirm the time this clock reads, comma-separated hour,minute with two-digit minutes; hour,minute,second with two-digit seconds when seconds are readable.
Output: 6,52
